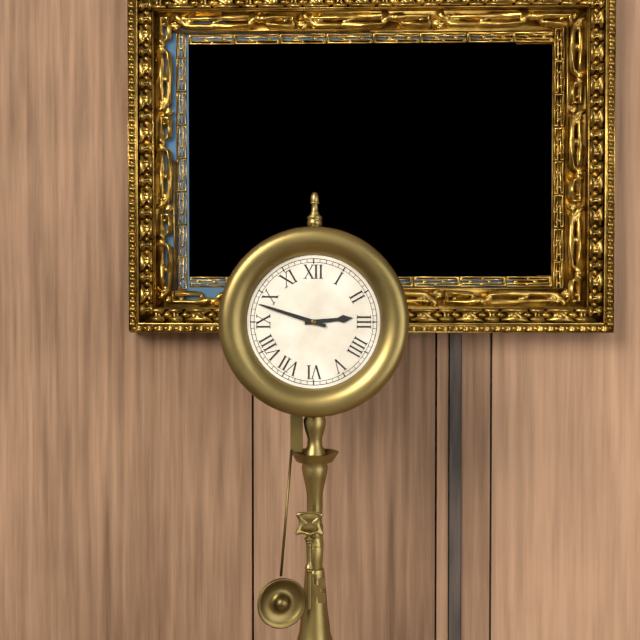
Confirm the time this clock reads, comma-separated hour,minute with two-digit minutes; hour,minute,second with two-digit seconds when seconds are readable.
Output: 2,48
